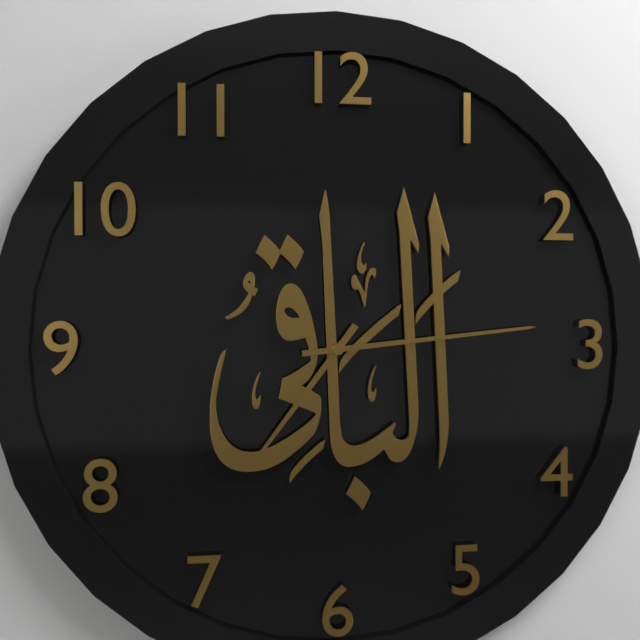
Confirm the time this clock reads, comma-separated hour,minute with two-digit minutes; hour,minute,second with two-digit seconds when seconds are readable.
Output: 7,14
